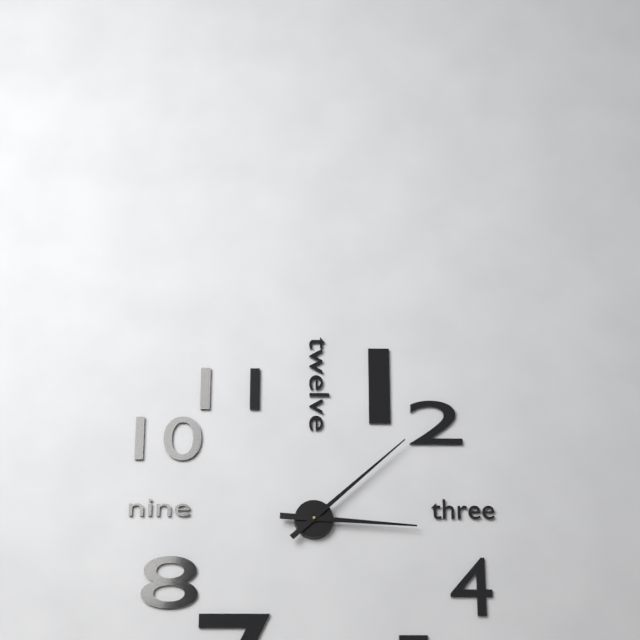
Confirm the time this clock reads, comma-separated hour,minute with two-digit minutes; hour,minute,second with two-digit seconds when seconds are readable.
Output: 3,08
